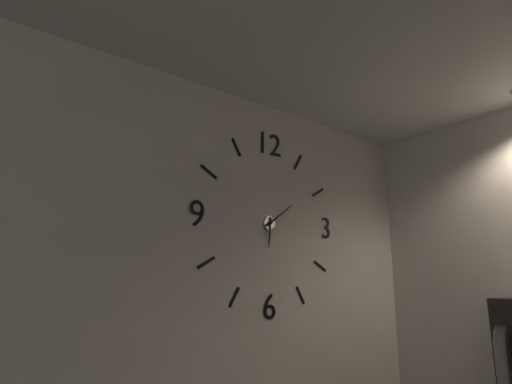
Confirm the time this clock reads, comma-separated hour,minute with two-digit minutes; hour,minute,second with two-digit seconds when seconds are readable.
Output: 6,09
